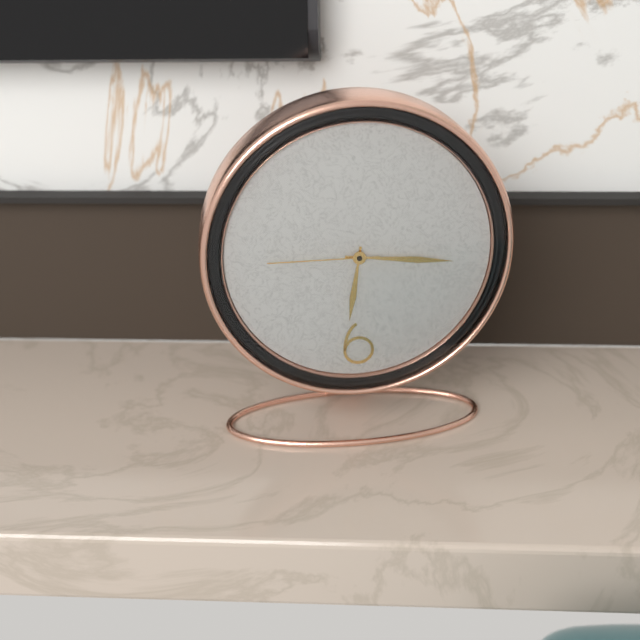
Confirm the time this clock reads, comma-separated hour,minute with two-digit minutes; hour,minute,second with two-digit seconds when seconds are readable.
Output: 6,16,45
